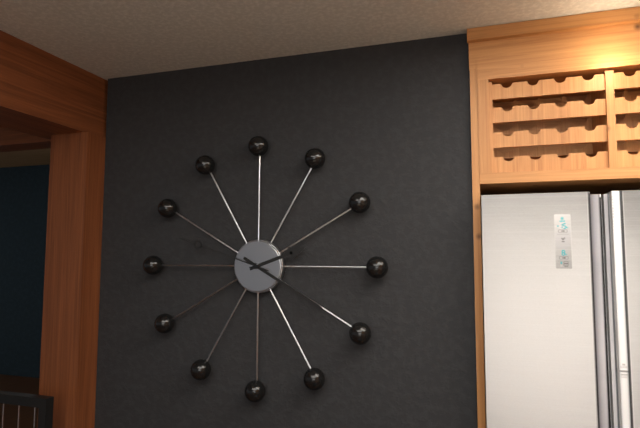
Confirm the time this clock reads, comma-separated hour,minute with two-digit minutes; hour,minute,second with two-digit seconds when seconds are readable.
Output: 2,20,48
